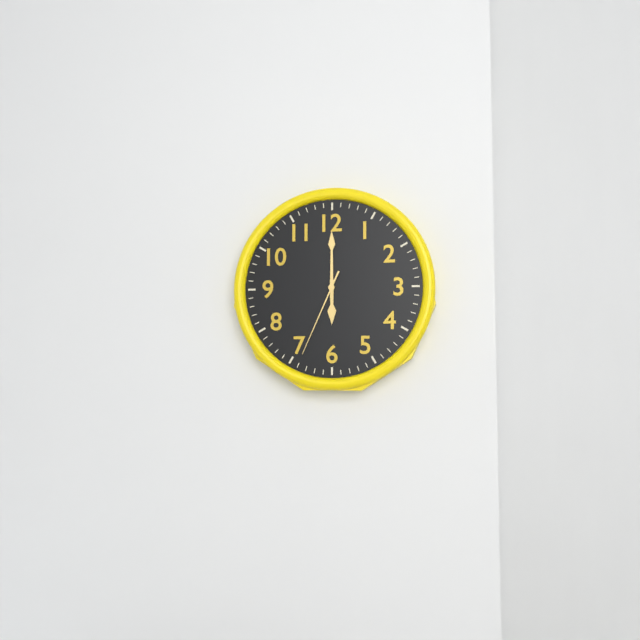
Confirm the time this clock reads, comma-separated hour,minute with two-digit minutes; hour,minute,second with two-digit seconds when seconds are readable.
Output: 6,00,34
